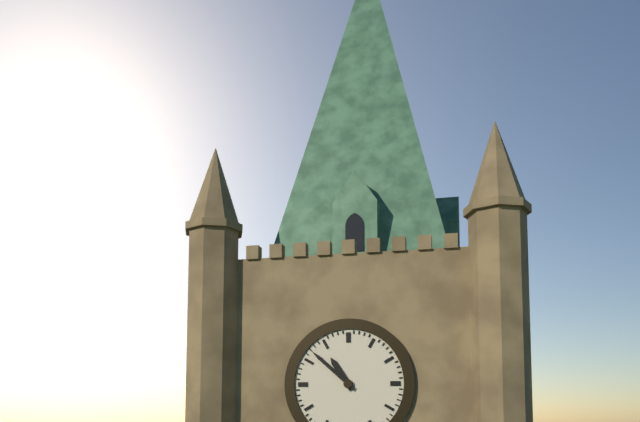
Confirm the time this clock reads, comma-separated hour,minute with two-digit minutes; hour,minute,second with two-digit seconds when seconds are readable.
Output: 10,52
